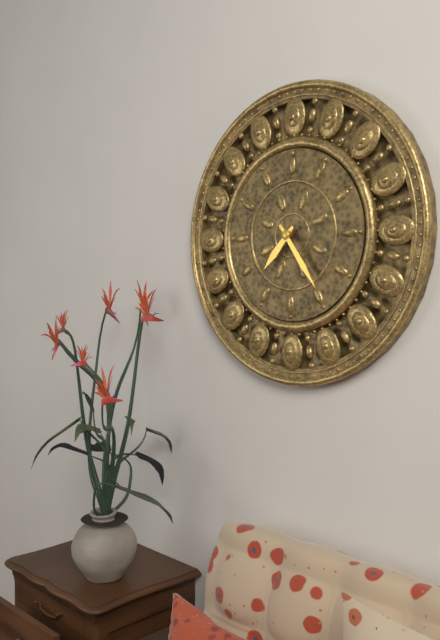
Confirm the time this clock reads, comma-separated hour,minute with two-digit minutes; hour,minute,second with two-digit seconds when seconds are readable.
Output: 7,24
